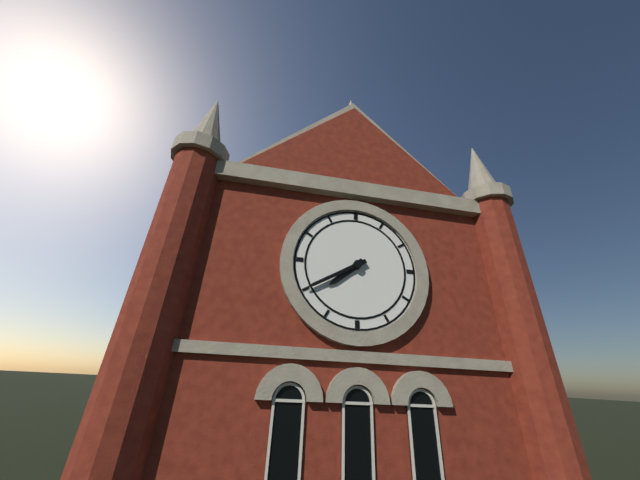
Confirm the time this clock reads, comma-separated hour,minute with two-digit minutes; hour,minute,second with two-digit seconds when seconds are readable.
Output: 7,40
